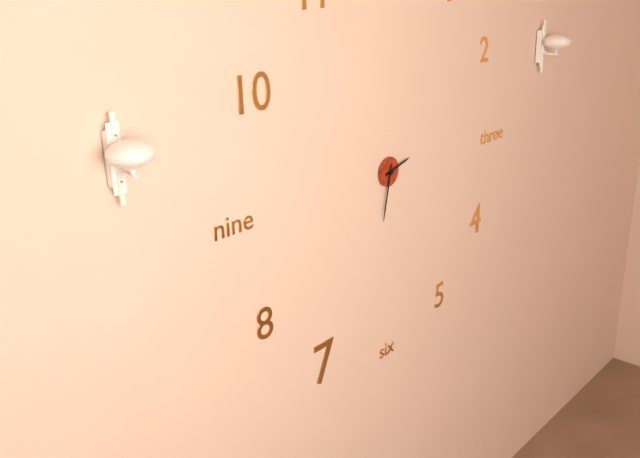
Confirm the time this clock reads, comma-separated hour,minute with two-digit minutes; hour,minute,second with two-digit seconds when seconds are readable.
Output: 2,32
